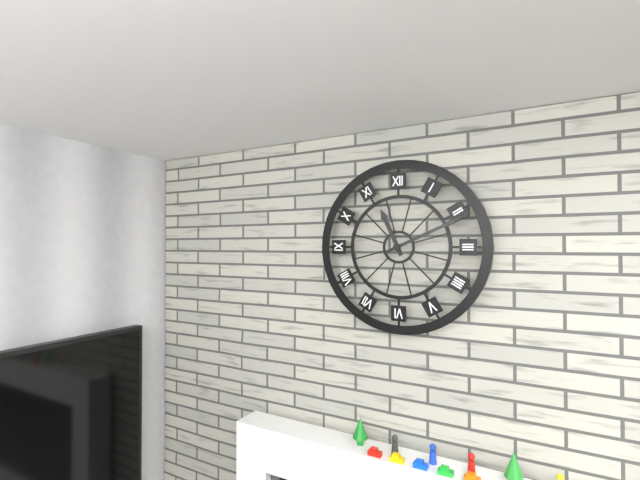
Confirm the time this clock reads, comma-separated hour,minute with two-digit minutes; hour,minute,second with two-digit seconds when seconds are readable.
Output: 11,11
